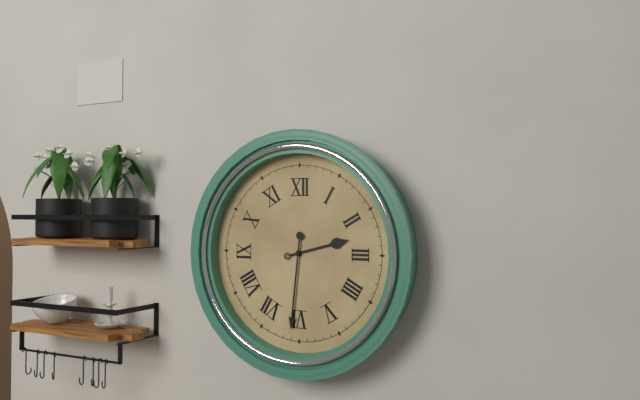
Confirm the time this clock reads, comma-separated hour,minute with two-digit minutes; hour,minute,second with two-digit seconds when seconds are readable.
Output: 2,31
